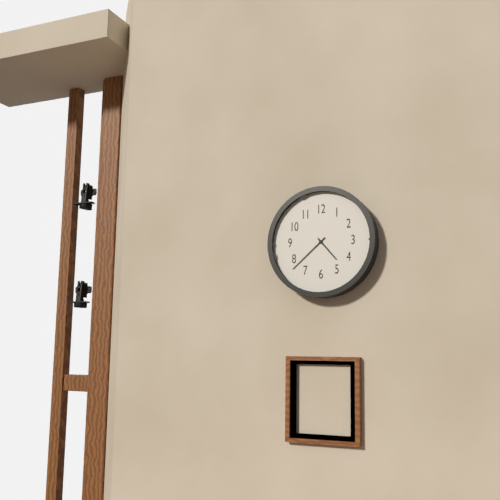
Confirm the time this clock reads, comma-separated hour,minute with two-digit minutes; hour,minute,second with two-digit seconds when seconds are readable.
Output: 4,38
